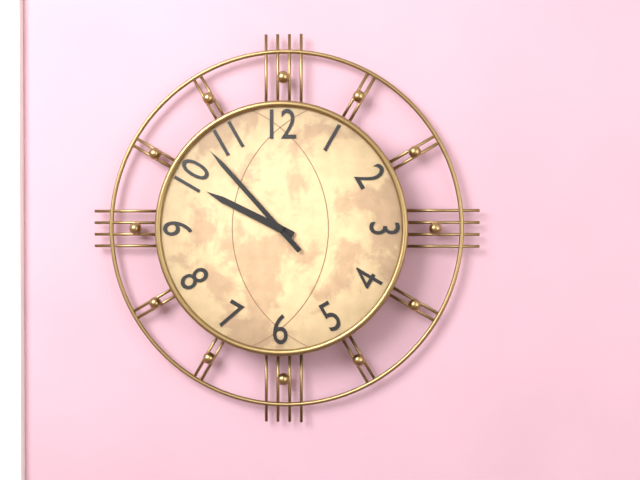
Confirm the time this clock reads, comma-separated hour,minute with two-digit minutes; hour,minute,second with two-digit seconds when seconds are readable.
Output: 9,53
